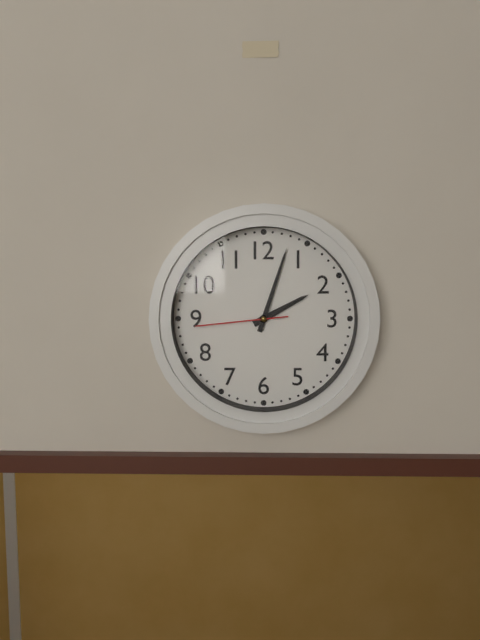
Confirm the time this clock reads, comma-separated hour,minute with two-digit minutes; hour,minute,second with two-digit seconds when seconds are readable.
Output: 2,03,44
